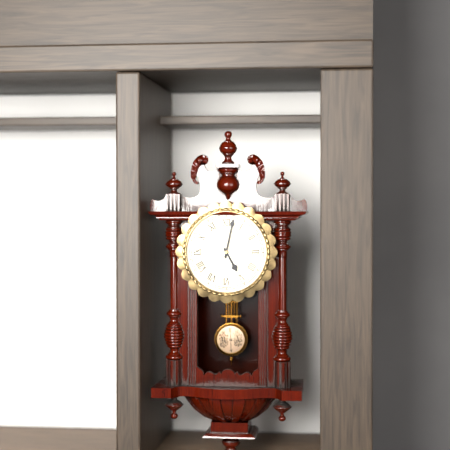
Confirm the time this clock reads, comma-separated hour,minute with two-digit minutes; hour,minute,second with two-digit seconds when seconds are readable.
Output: 5,02
